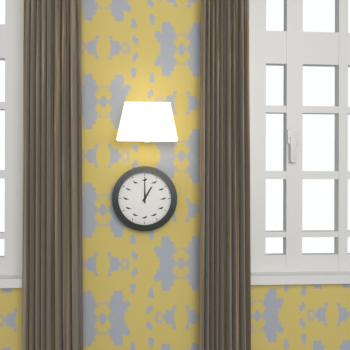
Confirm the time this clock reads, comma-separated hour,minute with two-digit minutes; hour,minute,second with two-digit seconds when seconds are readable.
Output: 1,00
